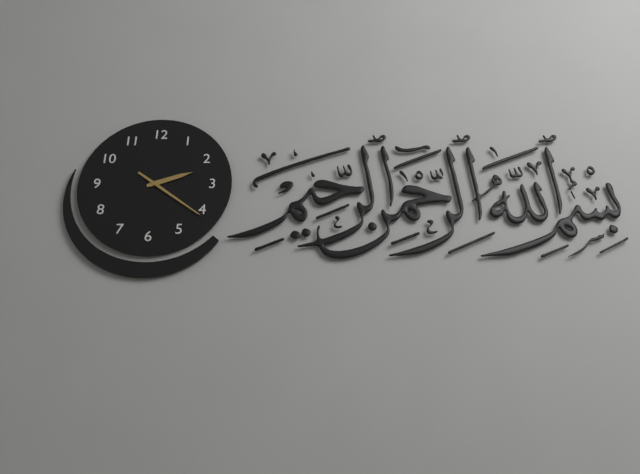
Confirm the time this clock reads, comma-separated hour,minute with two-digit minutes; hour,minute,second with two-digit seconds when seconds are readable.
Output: 2,21
